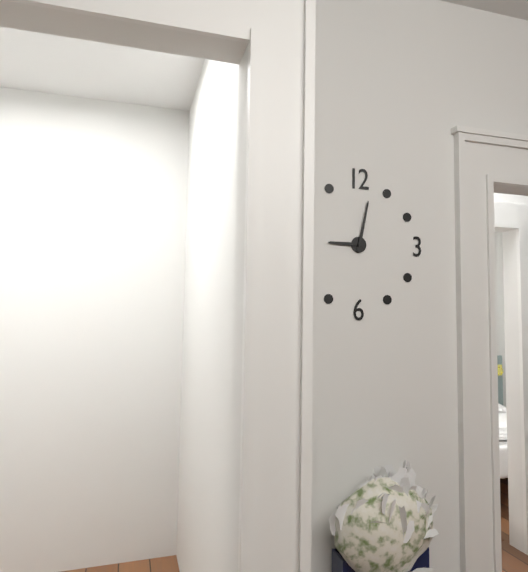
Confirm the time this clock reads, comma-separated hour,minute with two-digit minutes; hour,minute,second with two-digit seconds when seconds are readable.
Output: 9,02
